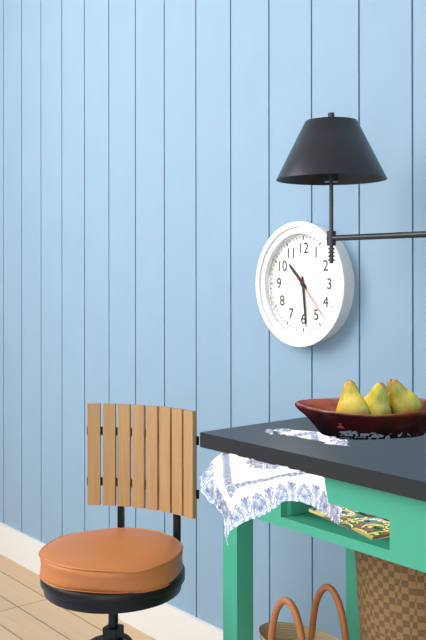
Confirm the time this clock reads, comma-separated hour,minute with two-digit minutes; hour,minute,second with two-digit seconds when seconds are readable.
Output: 10,29,23
